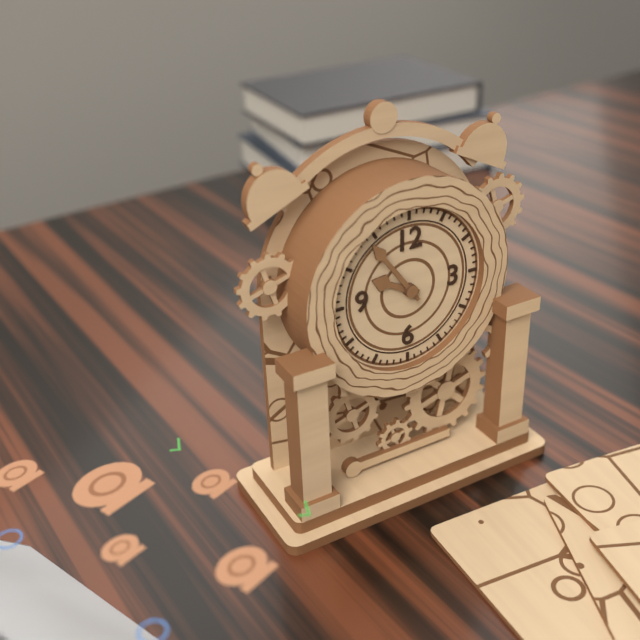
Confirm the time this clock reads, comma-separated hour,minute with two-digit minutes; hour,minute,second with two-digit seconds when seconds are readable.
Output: 9,54
